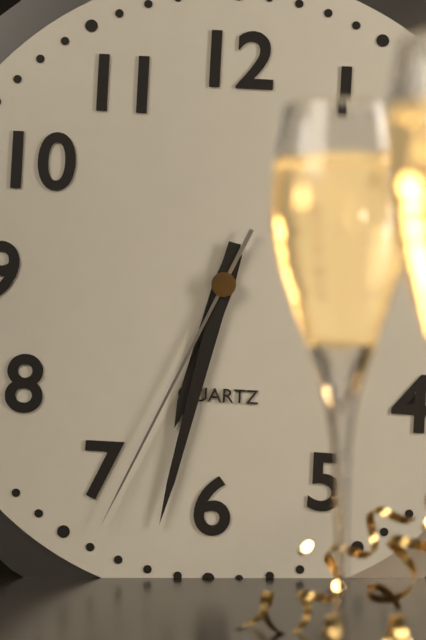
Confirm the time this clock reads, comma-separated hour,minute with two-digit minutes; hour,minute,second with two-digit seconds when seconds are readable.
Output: 6,32,34
